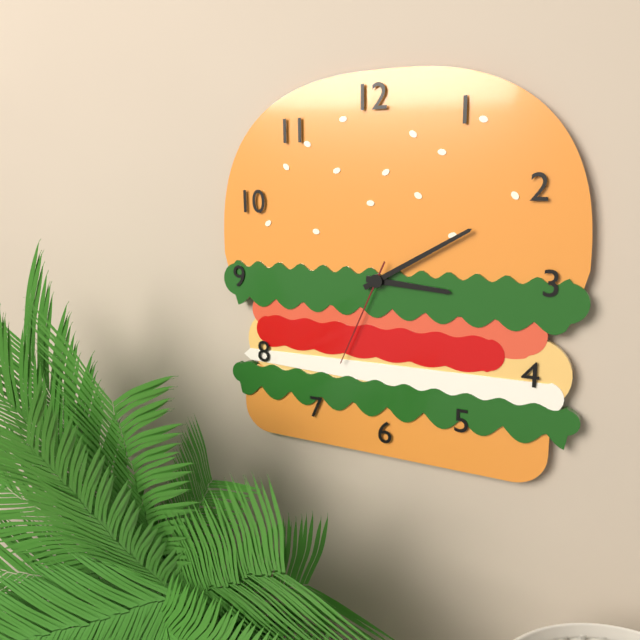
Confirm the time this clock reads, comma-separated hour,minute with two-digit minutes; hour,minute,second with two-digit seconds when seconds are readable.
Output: 3,10,34
